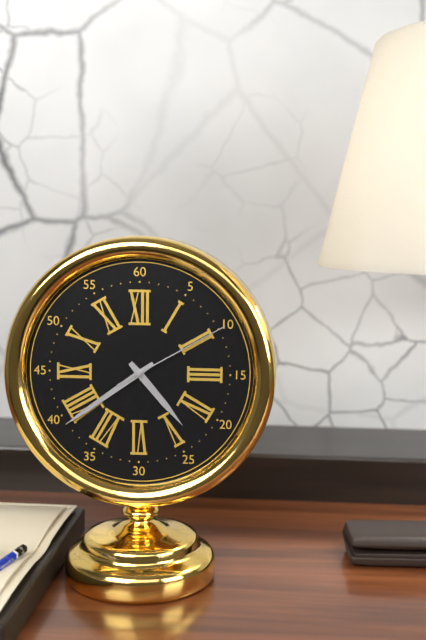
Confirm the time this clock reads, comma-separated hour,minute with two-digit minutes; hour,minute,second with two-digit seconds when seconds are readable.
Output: 4,39,10
